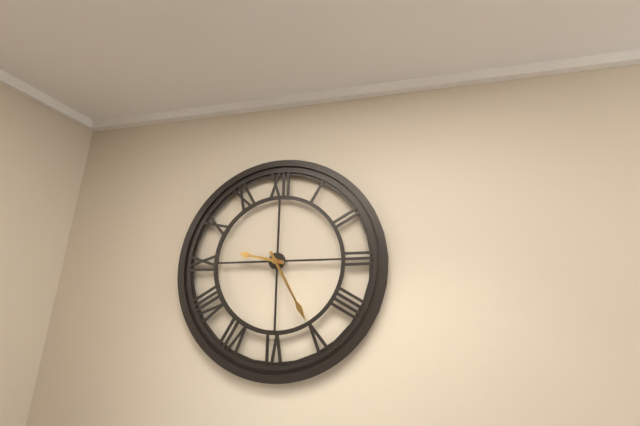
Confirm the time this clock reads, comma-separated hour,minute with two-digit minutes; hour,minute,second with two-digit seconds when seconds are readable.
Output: 9,25
